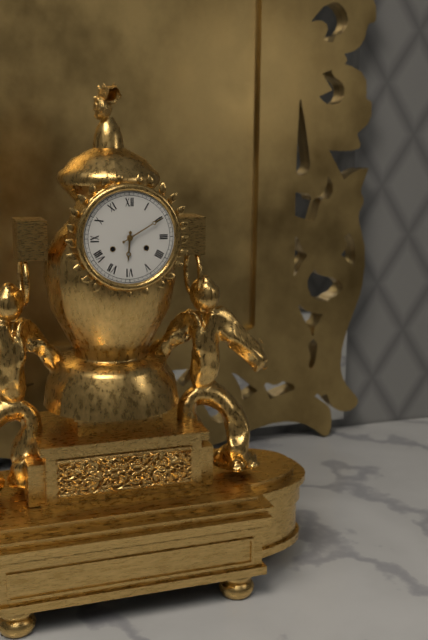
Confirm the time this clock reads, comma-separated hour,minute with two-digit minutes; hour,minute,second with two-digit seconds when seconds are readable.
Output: 6,10
